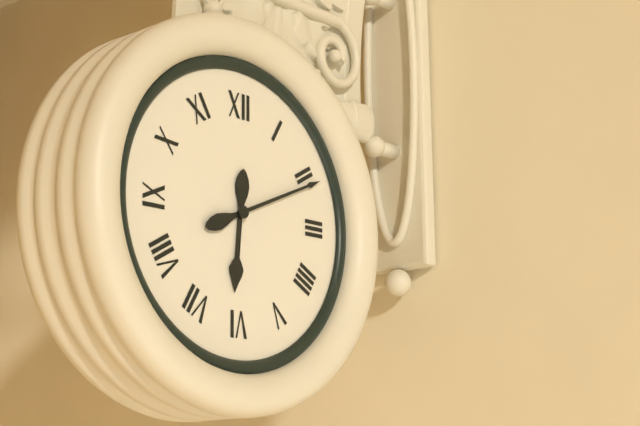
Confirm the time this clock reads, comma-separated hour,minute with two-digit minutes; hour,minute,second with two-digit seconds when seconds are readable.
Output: 6,11
